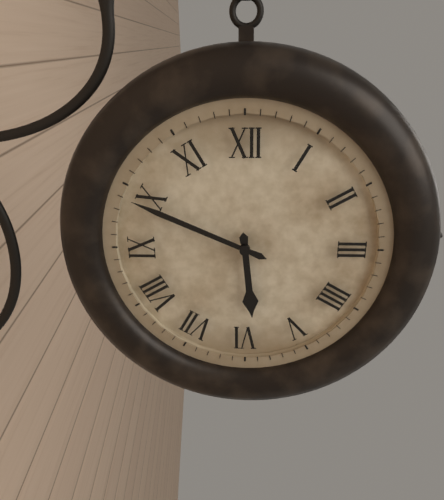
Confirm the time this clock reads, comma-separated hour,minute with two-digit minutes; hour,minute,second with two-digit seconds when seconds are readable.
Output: 5,49
